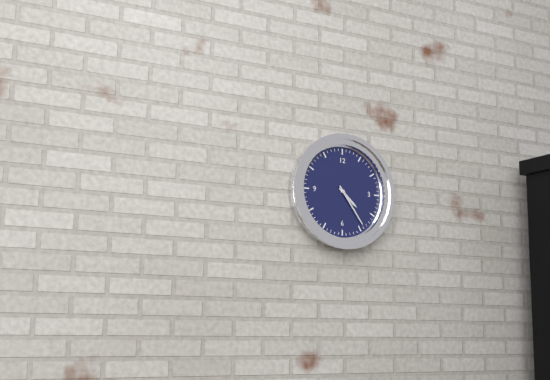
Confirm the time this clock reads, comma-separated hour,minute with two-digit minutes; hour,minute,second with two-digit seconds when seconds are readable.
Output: 4,24
